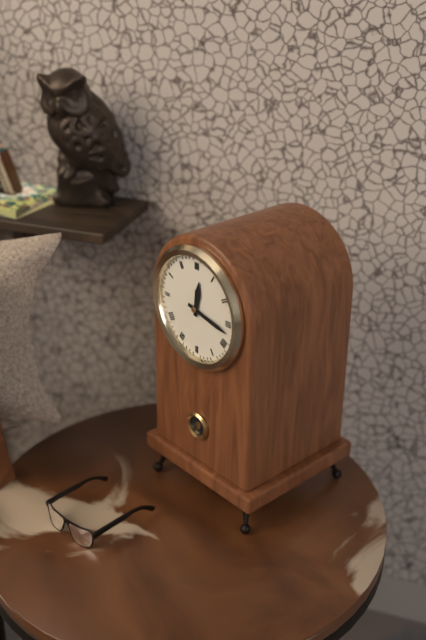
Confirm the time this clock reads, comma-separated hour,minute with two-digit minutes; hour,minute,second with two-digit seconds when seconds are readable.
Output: 12,17
